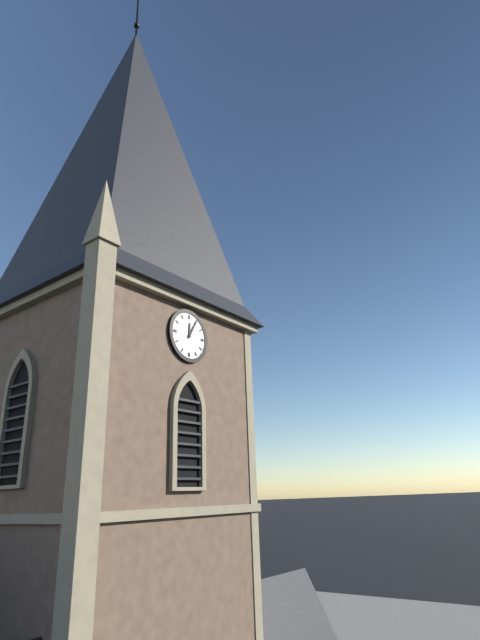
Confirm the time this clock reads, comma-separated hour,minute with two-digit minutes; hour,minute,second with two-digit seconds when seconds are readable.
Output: 12,05
